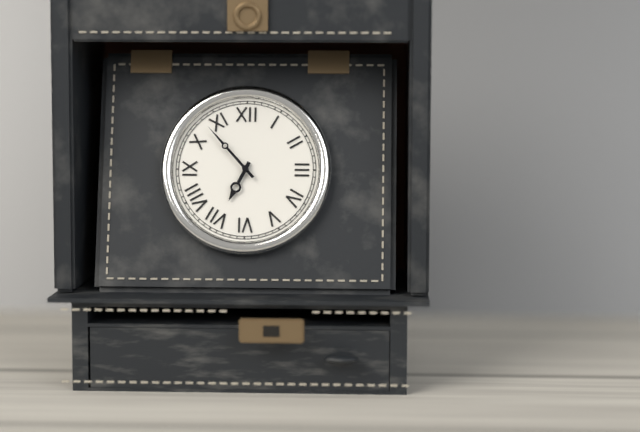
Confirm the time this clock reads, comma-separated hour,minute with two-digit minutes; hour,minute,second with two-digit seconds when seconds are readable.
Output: 6,53
